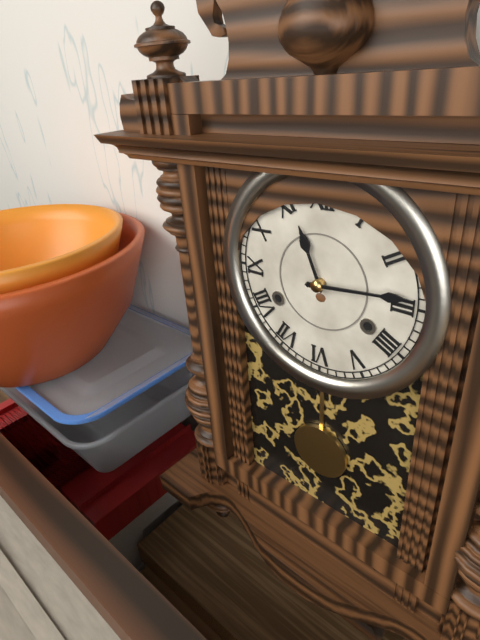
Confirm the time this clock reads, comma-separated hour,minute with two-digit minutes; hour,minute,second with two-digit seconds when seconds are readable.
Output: 11,14
